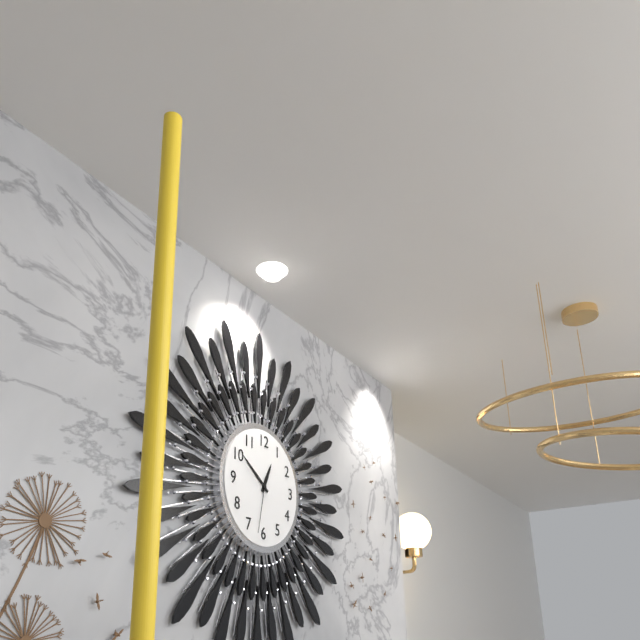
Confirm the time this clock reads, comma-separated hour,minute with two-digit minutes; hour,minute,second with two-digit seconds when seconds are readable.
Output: 12,51,32
